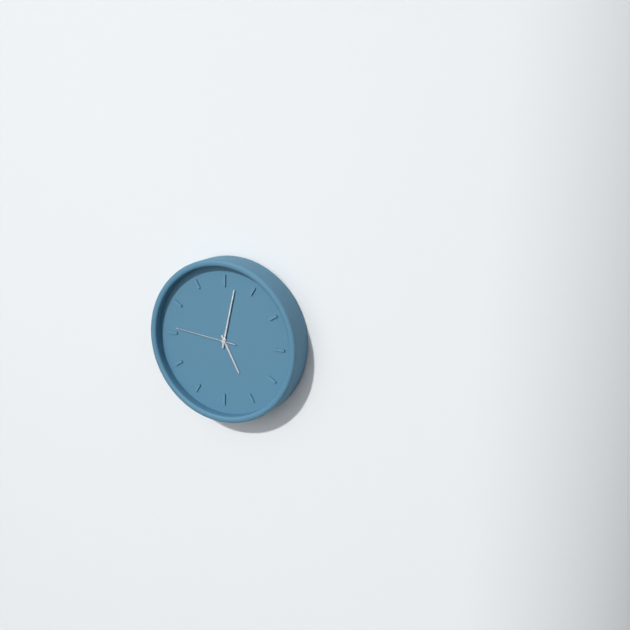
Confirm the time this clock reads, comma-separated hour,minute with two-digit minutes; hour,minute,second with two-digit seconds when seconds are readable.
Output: 5,02,46
